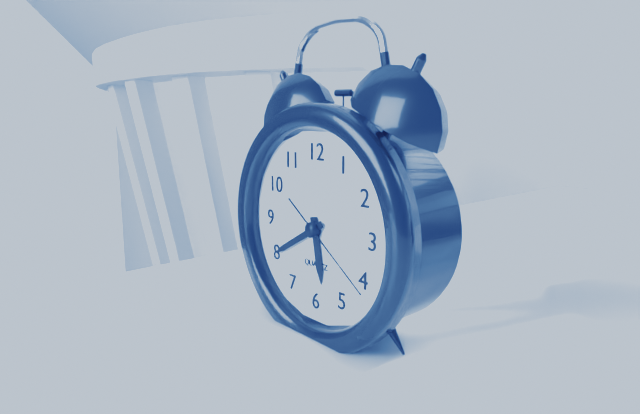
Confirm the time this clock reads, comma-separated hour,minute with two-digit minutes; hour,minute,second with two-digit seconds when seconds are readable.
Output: 5,40,21
